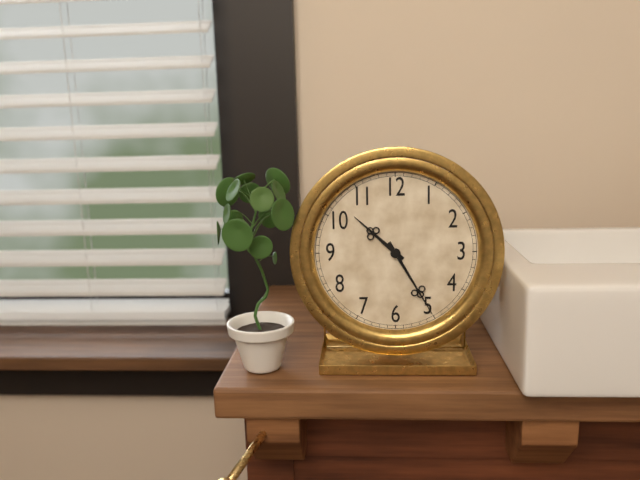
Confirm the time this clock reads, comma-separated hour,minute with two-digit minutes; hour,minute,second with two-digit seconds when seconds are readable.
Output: 10,25
